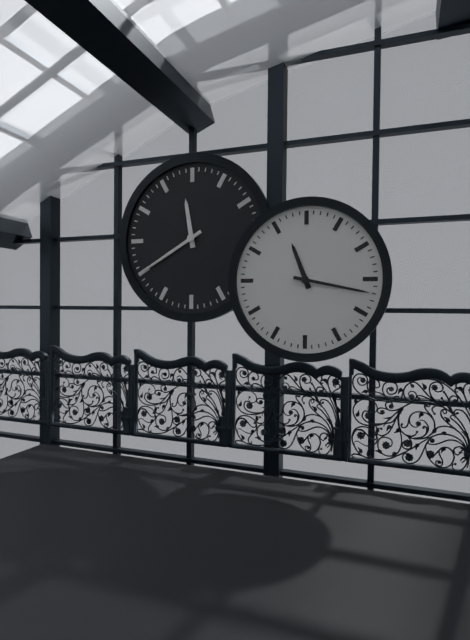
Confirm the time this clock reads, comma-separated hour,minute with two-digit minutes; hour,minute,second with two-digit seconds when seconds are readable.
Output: 11,17
